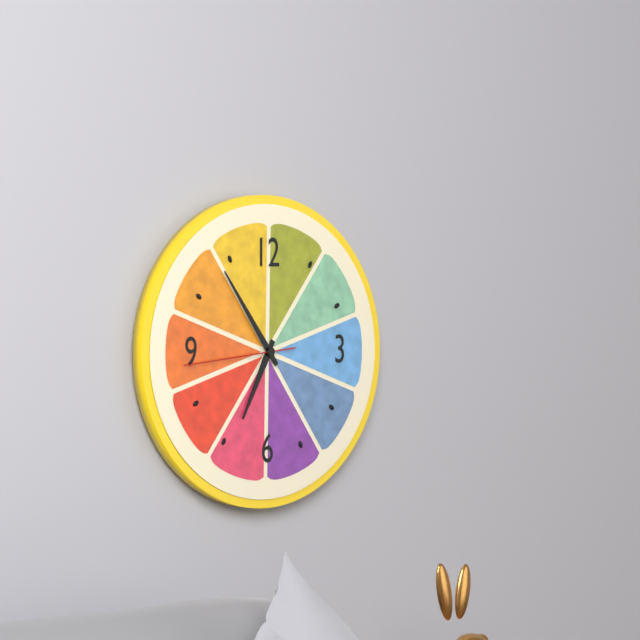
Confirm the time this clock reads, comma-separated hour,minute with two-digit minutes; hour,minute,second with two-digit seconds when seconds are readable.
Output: 6,54,44
